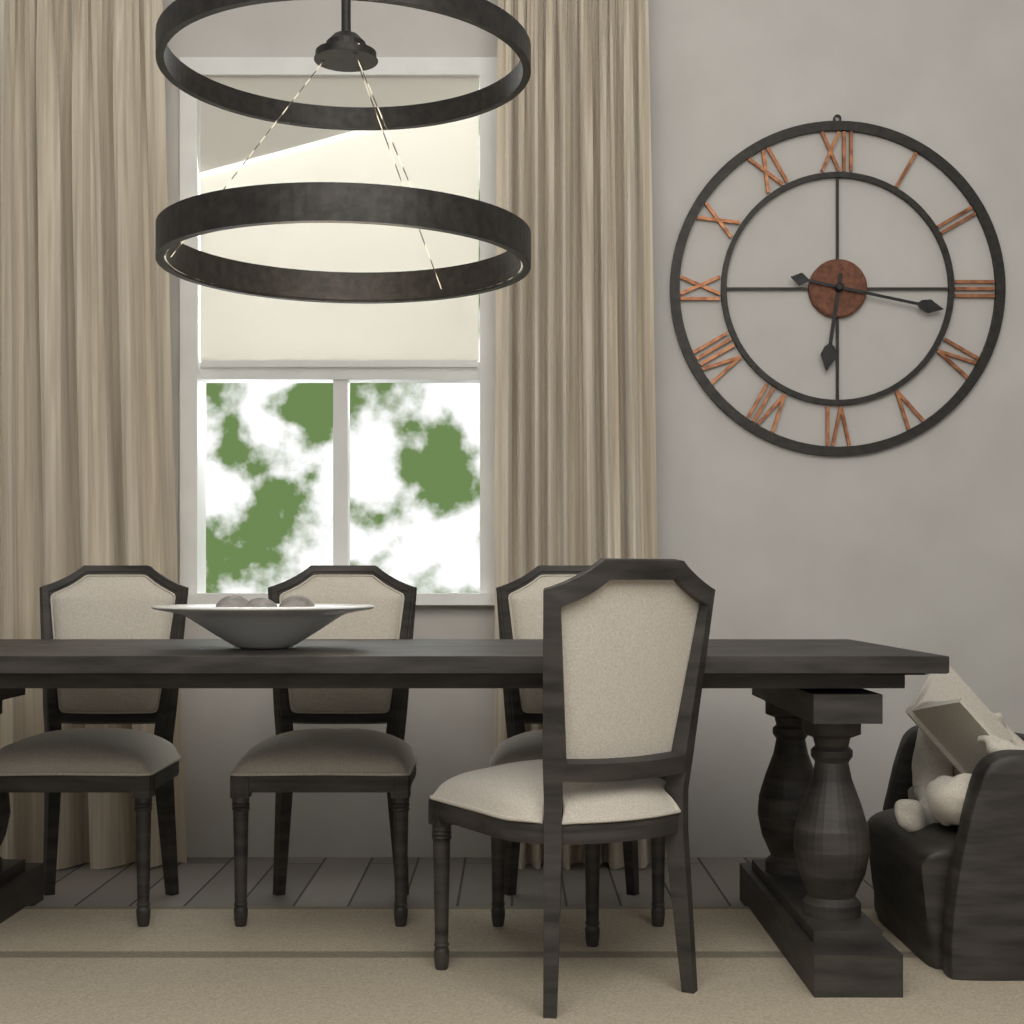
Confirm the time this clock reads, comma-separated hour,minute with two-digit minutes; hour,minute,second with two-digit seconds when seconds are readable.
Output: 6,17
